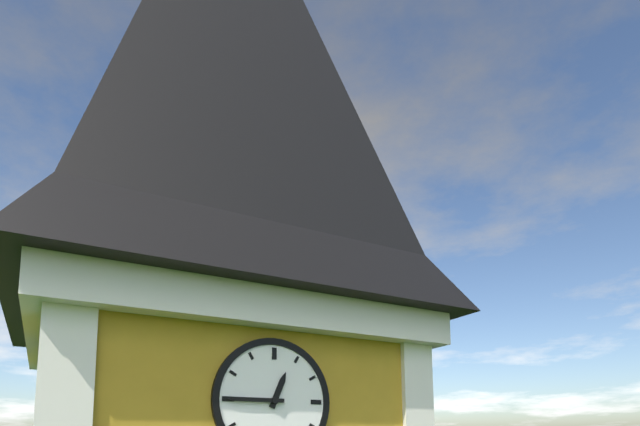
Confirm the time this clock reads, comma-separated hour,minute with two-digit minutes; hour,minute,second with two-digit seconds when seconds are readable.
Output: 12,45
